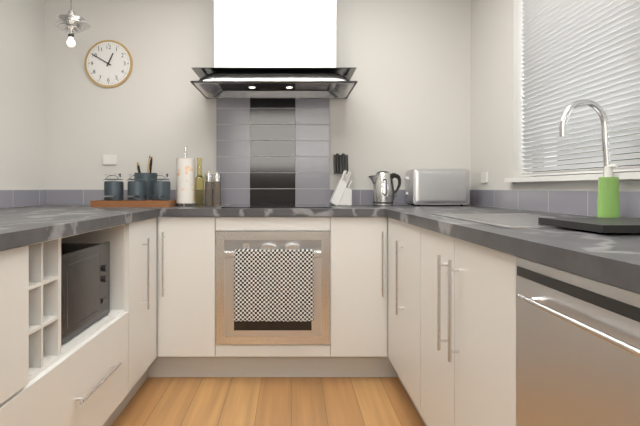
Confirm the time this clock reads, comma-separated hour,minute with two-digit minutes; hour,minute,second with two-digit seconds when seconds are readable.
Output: 12,50
